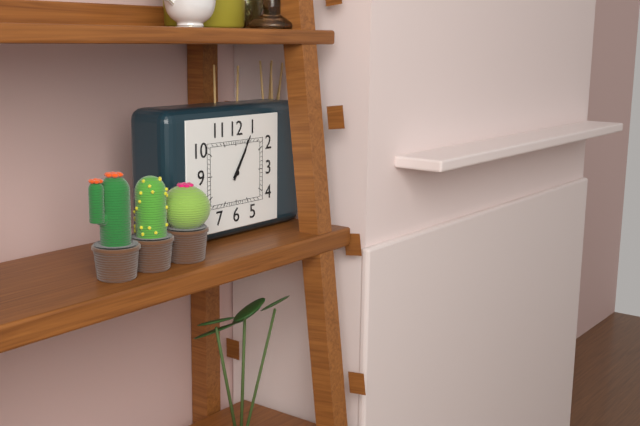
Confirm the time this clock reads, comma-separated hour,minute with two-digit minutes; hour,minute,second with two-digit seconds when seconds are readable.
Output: 1,05
